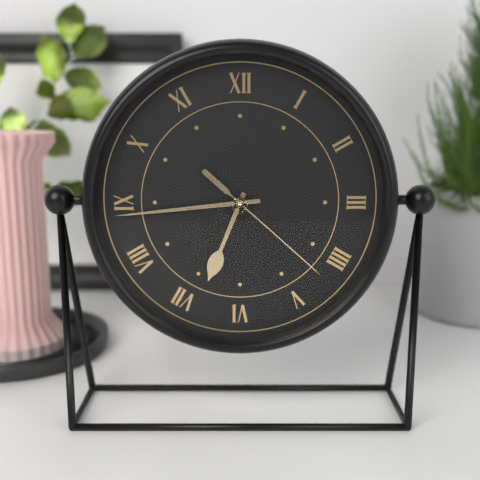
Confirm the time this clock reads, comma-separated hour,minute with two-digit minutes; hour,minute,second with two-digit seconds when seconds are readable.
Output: 6,44,22
